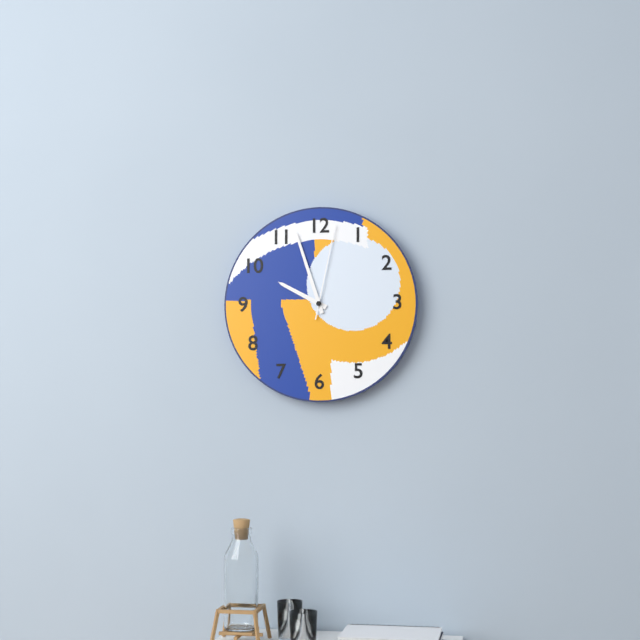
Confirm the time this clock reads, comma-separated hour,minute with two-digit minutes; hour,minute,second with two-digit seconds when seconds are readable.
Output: 9,57,02
